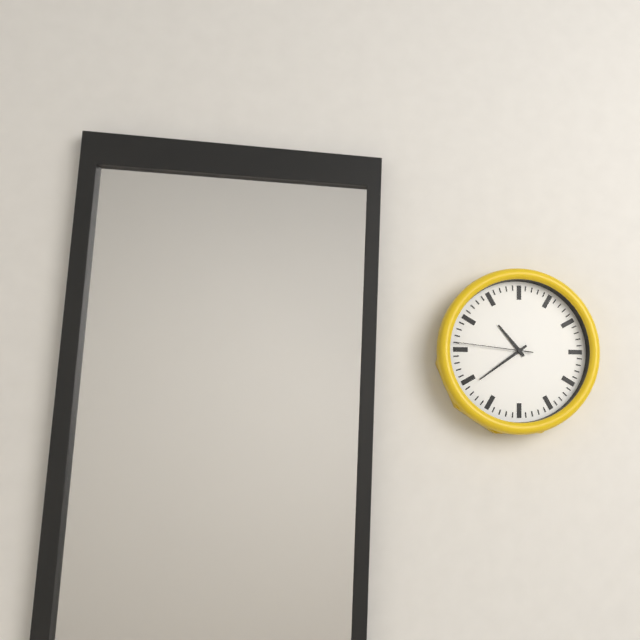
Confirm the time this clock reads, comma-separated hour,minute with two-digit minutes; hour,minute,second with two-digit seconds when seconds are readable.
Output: 10,39,46
